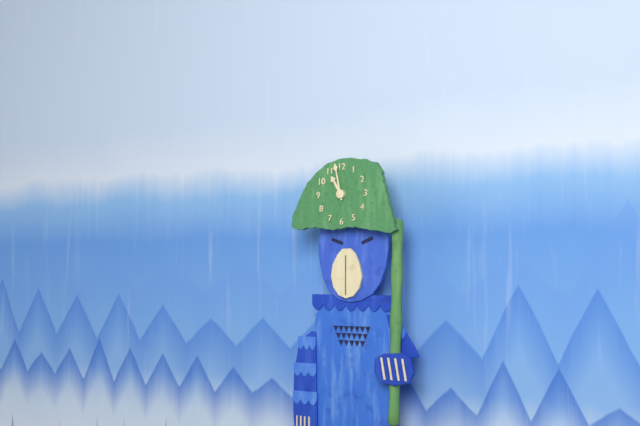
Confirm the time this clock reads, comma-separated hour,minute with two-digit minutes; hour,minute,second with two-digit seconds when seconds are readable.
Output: 10,58
